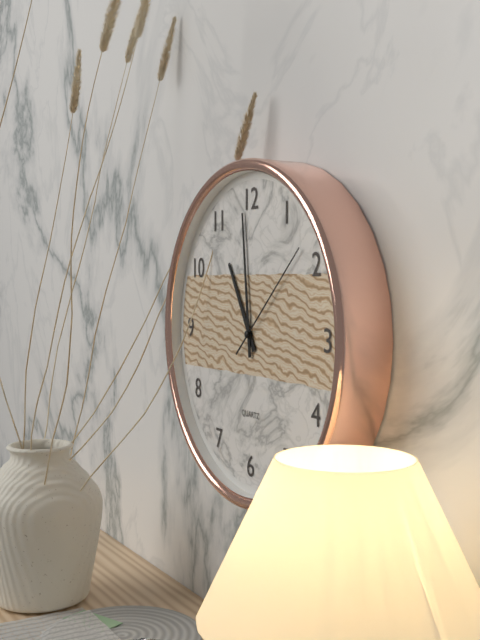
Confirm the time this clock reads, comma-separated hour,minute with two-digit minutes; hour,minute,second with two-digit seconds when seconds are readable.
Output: 10,59,08
